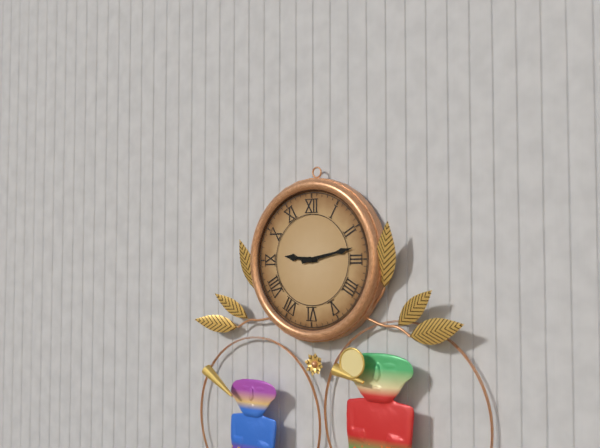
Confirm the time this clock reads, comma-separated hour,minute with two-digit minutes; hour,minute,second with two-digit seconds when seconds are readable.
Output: 9,13
